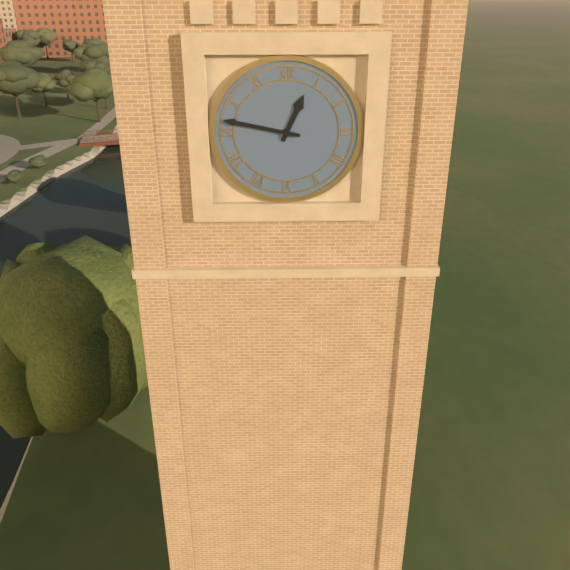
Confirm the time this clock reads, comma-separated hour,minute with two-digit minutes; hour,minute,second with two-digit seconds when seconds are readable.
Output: 12,47
